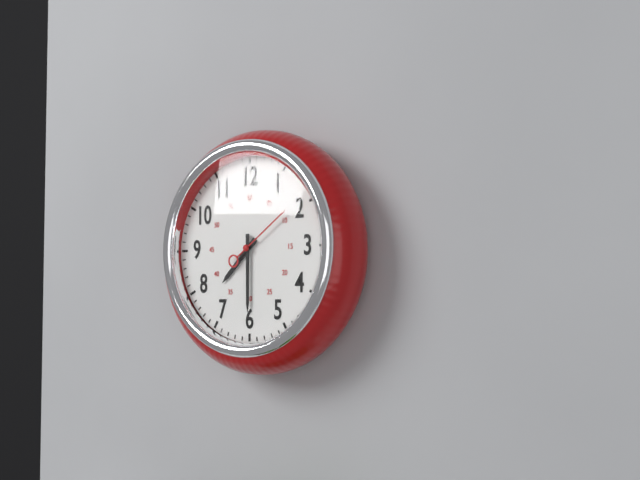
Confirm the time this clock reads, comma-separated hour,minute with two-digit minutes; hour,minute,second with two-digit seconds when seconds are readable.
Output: 7,30,09
